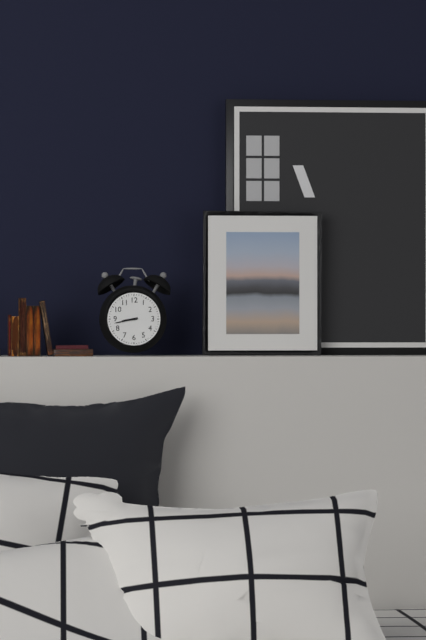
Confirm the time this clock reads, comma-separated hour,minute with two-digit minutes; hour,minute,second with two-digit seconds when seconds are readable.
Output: 8,43
